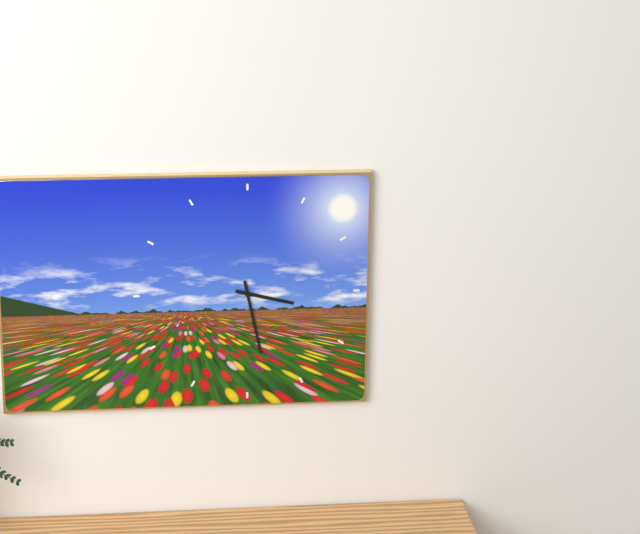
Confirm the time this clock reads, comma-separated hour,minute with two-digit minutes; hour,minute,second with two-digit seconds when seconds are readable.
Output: 3,28
